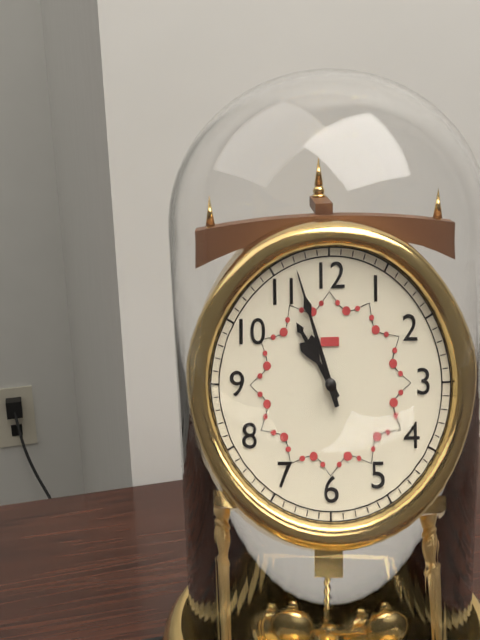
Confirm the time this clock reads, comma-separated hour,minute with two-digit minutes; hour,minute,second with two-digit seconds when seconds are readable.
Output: 10,57
